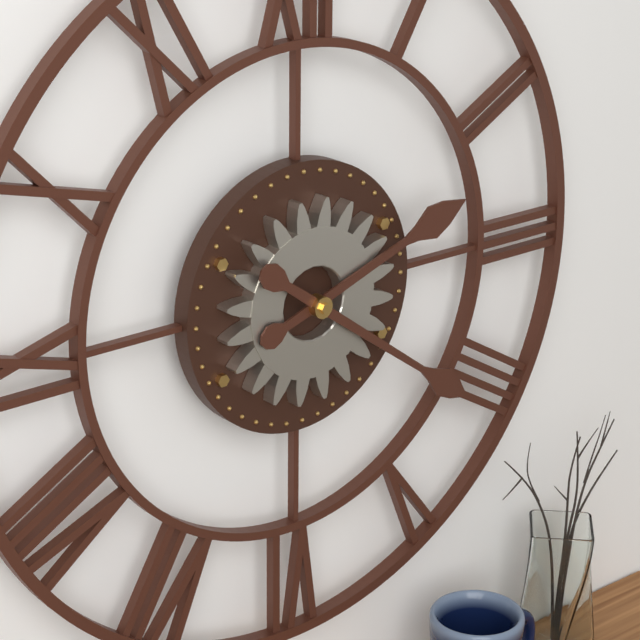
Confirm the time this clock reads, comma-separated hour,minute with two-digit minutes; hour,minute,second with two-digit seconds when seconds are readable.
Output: 2,21
